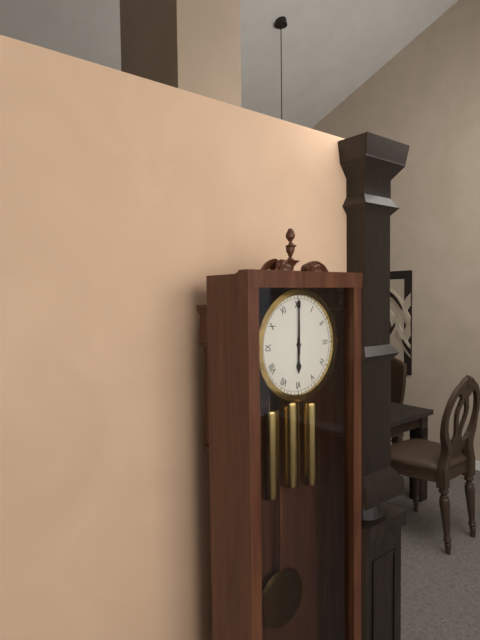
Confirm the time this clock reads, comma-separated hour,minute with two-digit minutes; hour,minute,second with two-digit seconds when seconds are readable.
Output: 6,00
